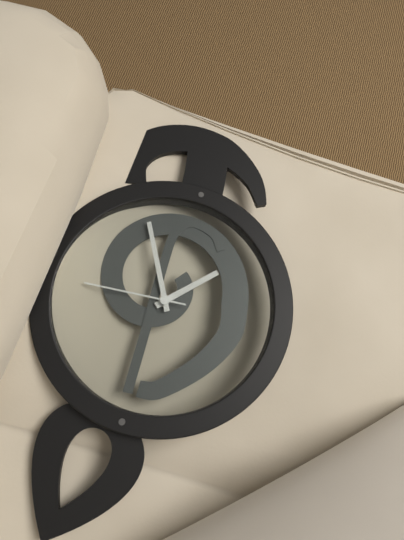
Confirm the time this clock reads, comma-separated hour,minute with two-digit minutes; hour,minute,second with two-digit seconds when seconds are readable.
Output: 7,25,14
